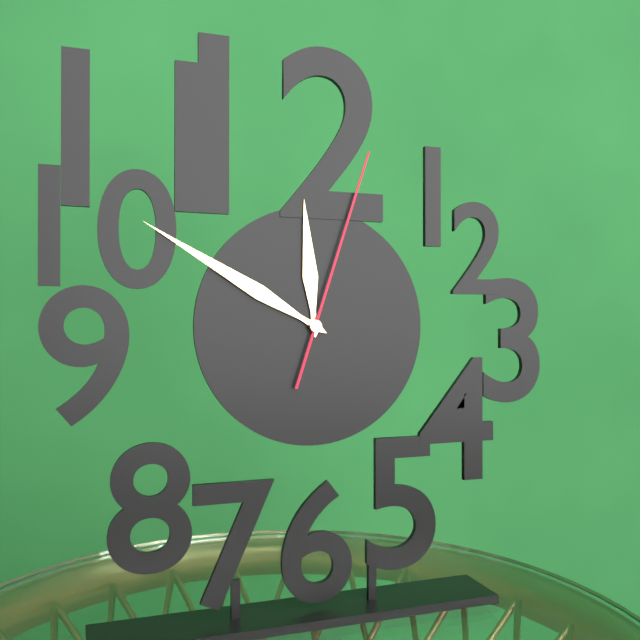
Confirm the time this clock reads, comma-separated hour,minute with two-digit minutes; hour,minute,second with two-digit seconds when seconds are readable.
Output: 11,50,03
